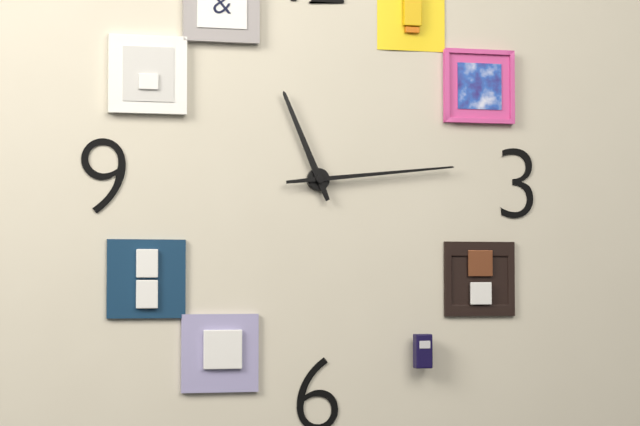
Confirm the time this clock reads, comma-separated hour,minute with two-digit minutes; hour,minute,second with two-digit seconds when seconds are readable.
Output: 11,14
